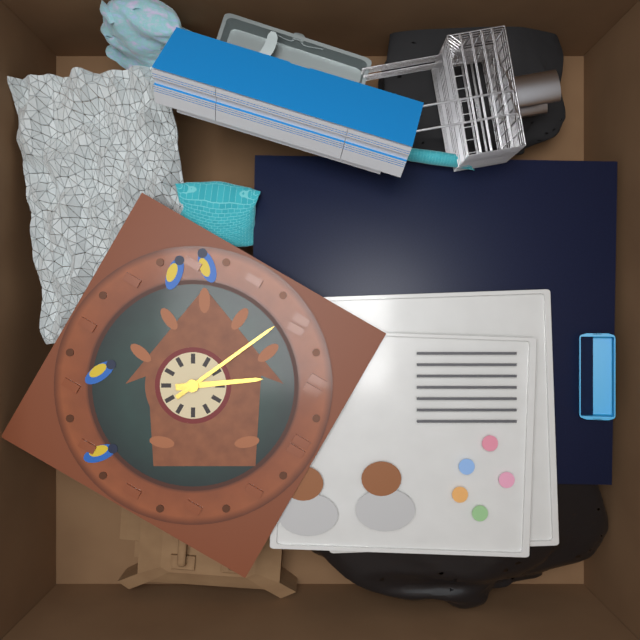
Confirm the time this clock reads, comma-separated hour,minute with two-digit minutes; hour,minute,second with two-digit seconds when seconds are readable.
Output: 10,49
